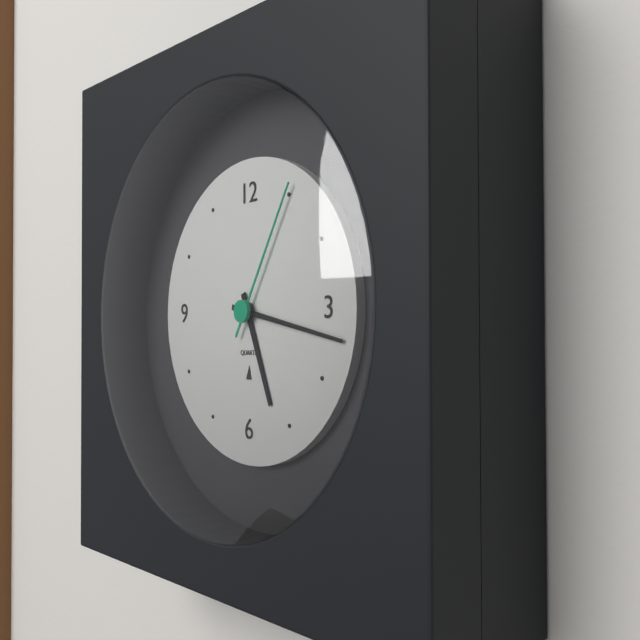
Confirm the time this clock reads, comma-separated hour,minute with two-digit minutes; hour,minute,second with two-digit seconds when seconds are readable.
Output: 5,17,05
